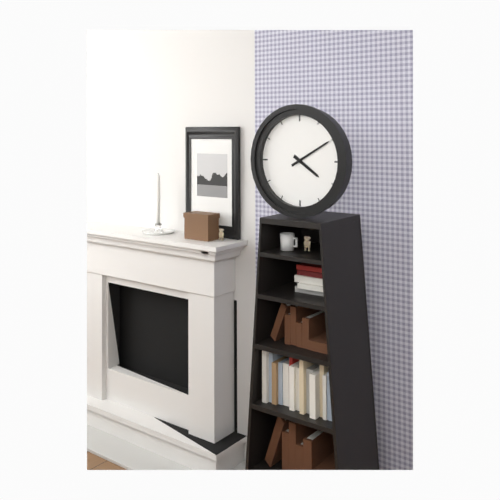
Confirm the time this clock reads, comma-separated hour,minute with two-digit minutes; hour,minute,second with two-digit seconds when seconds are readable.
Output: 4,10
